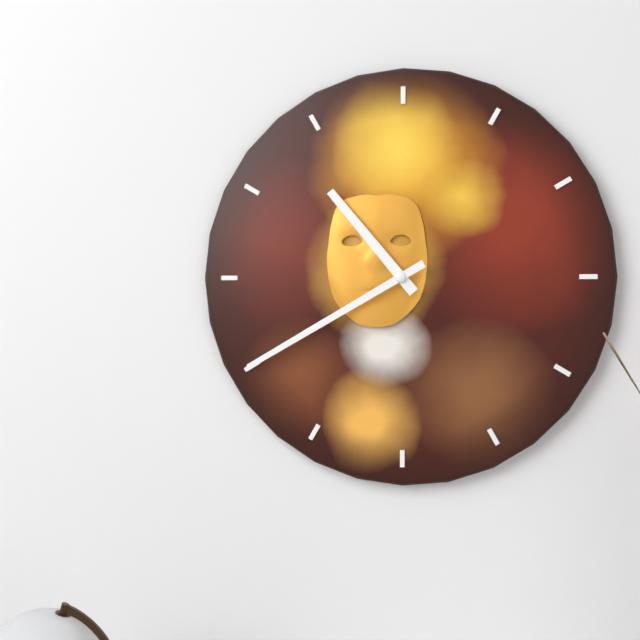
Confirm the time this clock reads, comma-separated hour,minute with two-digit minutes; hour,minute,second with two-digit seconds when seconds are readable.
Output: 10,40
